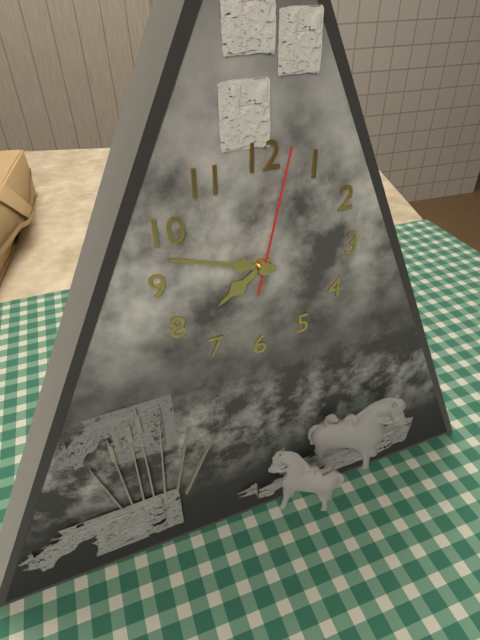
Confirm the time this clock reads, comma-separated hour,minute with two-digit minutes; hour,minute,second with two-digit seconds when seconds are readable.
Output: 7,48,02
